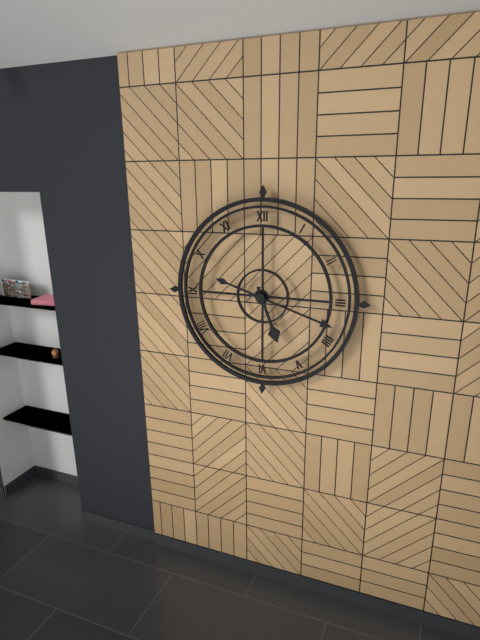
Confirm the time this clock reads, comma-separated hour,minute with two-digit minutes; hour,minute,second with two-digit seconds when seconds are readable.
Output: 5,18
